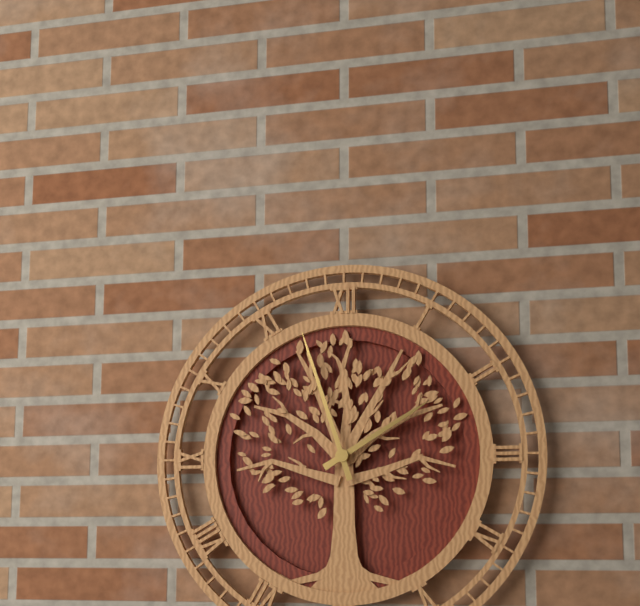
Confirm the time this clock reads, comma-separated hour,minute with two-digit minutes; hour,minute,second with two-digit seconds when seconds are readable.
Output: 1,57
